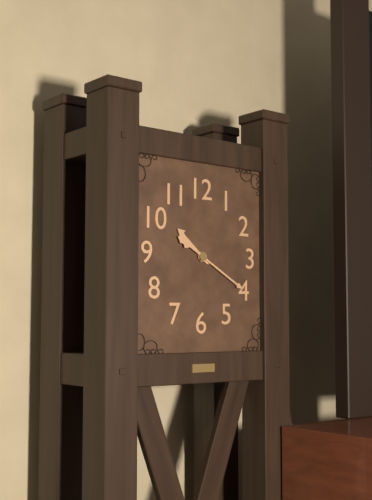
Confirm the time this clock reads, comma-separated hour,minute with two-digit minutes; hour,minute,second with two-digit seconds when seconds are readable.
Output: 10,20
